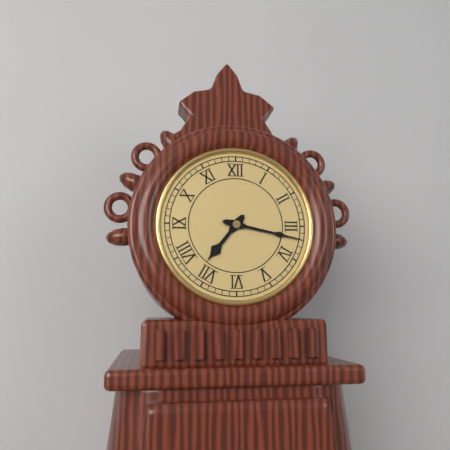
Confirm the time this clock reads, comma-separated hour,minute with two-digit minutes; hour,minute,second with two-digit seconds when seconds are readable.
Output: 7,17
